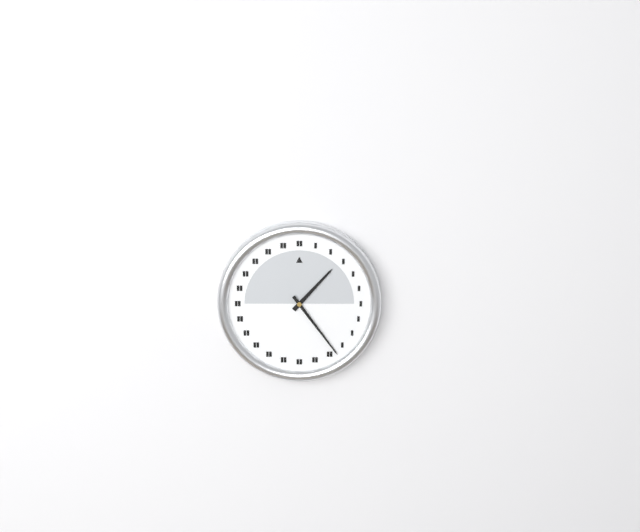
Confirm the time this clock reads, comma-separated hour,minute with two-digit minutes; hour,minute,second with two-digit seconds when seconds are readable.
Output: 1,24
